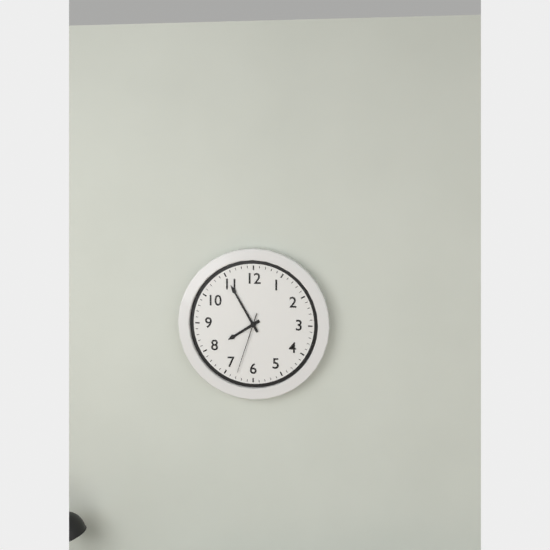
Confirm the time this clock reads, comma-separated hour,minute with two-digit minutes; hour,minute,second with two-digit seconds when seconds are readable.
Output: 7,55,33
